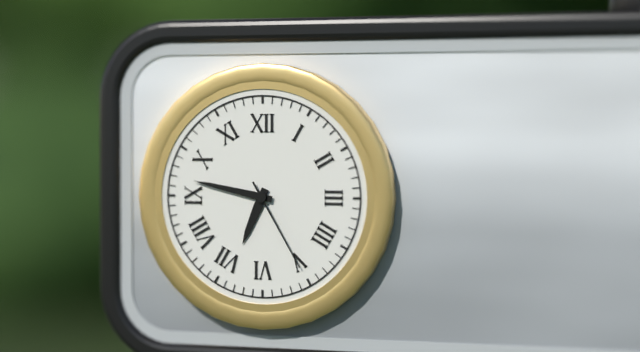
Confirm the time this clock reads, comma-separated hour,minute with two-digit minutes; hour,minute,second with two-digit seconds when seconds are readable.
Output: 6,47,25
